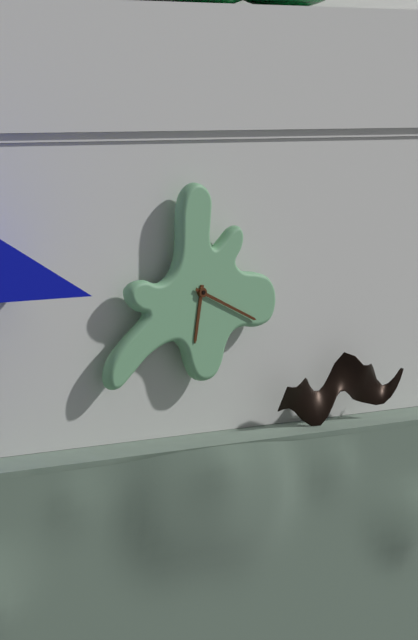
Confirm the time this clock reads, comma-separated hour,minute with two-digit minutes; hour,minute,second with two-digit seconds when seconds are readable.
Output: 6,19
